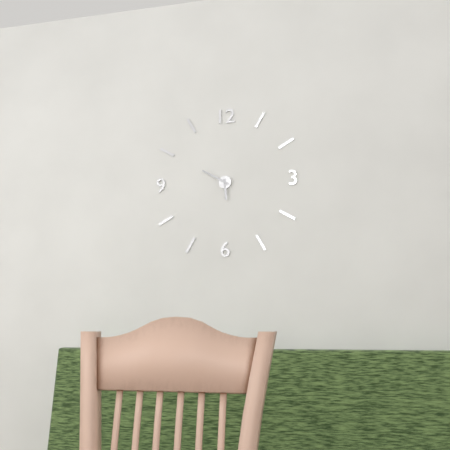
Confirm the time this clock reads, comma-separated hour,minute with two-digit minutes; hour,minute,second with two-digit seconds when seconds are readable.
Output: 5,50
